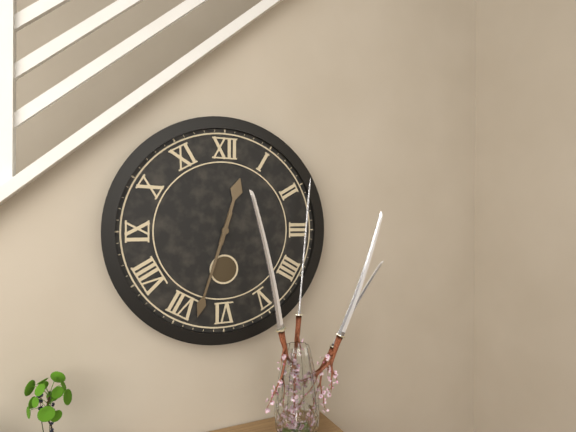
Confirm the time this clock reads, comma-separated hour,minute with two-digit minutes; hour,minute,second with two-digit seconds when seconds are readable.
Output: 12,33
